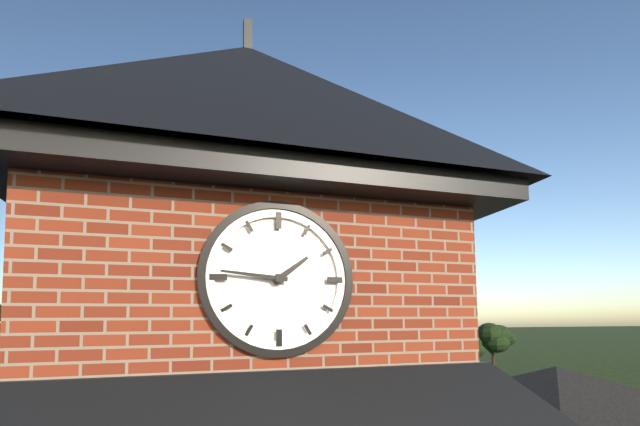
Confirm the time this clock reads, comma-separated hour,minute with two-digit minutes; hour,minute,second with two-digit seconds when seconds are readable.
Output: 1,46
